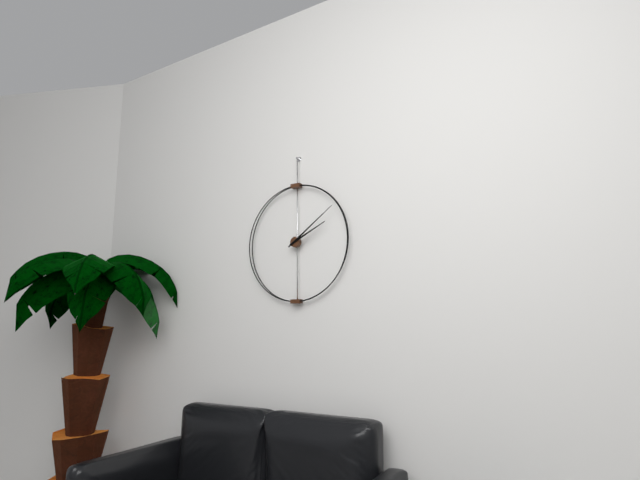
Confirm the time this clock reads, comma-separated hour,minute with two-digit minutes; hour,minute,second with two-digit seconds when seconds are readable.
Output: 2,09
